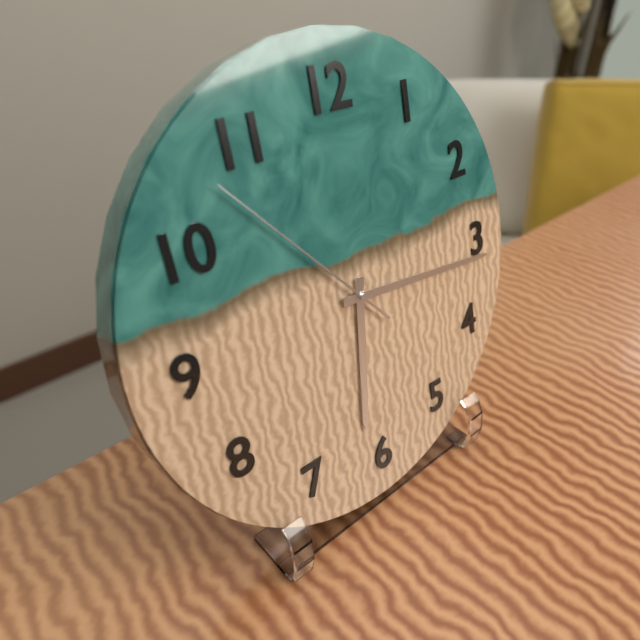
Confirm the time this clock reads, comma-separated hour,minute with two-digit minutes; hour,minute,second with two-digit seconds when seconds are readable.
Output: 6,16,53
